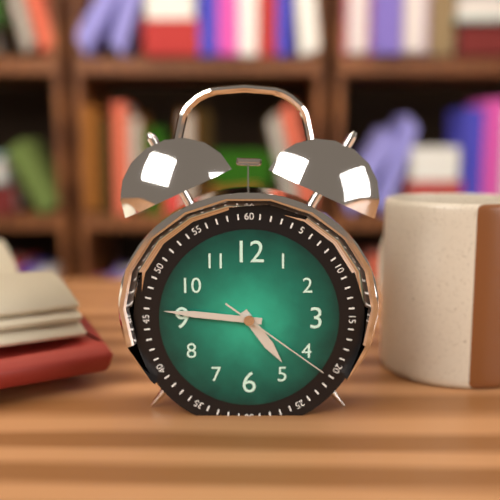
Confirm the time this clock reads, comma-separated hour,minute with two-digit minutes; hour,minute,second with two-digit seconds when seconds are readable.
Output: 4,46,21
